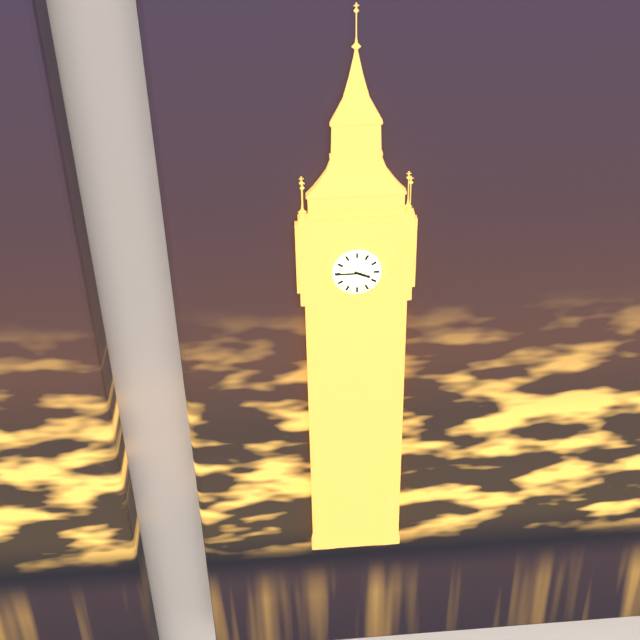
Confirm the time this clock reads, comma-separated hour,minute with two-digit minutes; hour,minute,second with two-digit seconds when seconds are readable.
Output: 3,45
